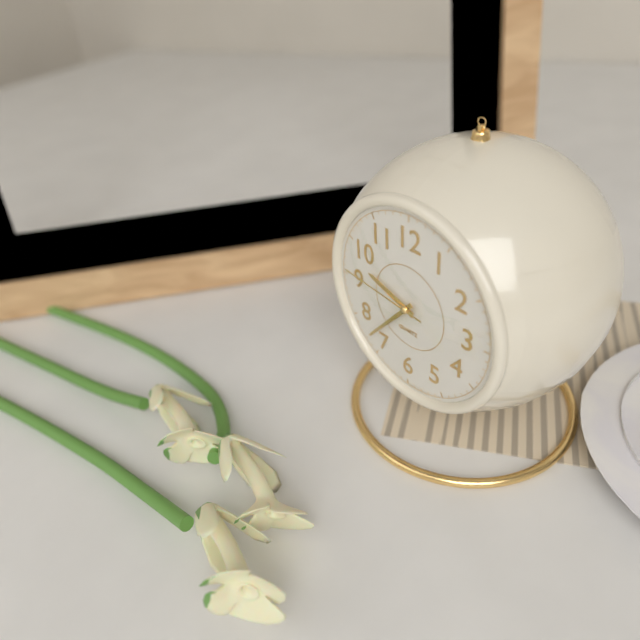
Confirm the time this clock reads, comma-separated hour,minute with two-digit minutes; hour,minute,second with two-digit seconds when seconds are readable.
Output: 9,37,46
